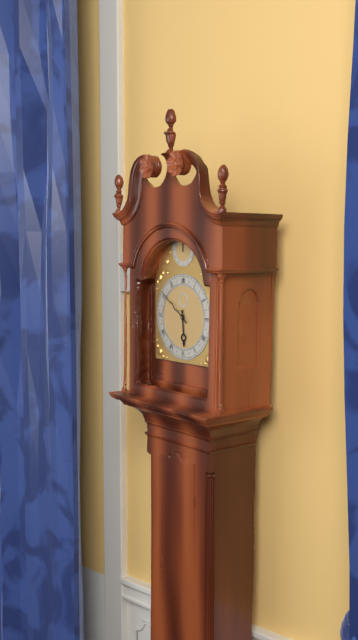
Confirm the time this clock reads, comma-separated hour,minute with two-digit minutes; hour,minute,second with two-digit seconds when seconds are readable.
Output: 5,51
